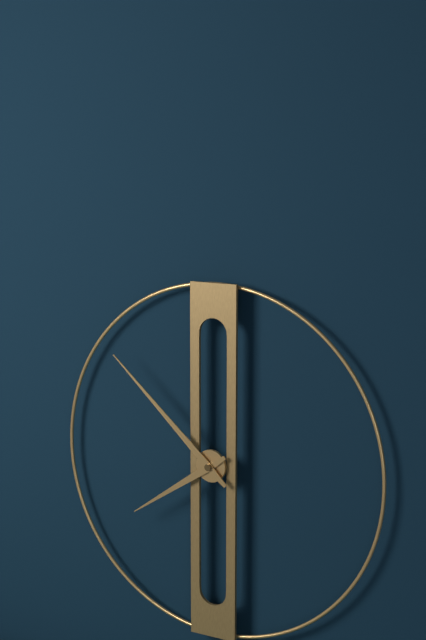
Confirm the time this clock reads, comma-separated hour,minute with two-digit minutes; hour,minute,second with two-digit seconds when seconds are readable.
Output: 7,52
